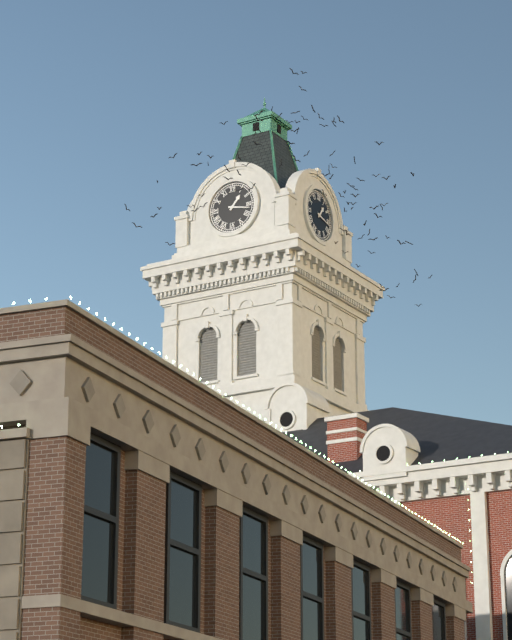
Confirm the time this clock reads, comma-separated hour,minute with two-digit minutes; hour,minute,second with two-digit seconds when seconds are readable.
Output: 1,17
